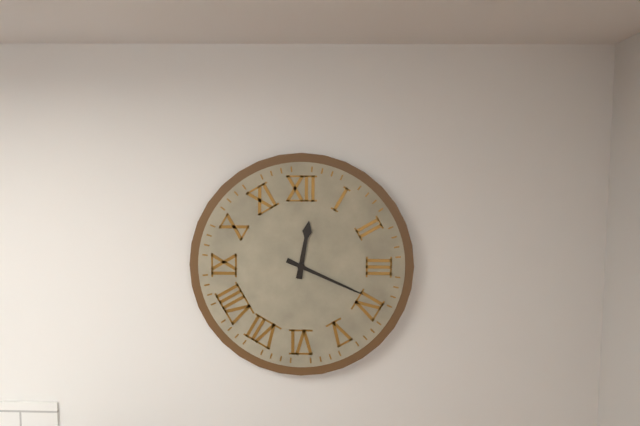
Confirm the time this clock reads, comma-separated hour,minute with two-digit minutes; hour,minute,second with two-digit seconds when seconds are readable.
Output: 12,19
